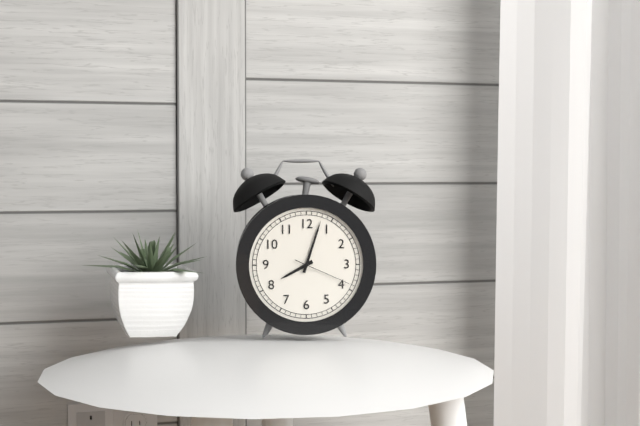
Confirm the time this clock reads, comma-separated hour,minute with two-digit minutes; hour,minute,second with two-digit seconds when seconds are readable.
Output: 8,03,19
